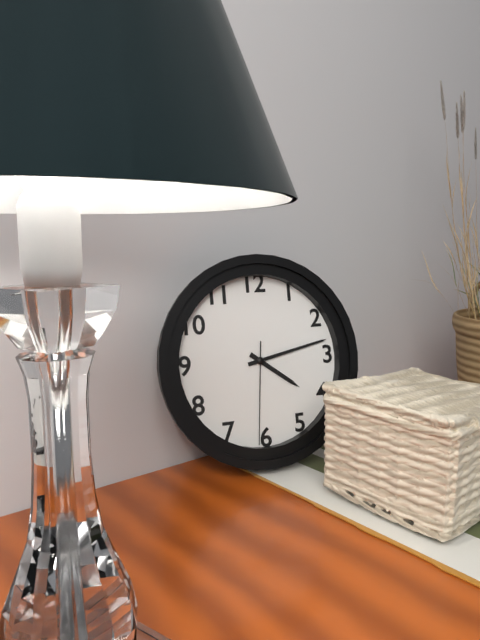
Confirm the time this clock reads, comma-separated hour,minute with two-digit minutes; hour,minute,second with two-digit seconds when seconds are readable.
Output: 4,13,31
